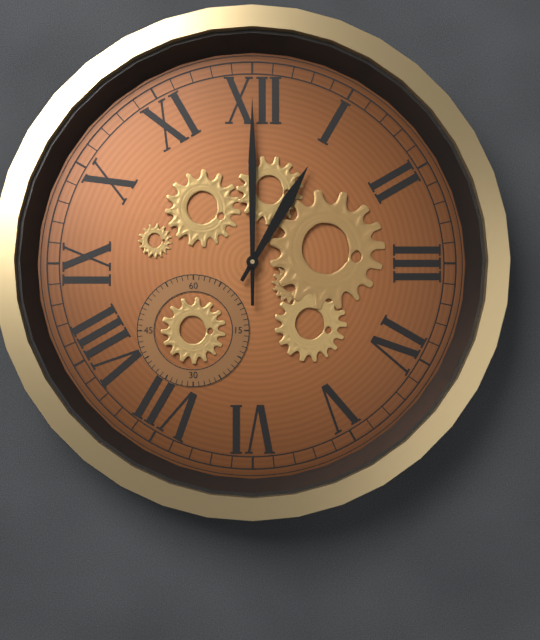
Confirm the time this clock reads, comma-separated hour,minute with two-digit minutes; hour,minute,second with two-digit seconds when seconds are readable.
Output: 1,00
